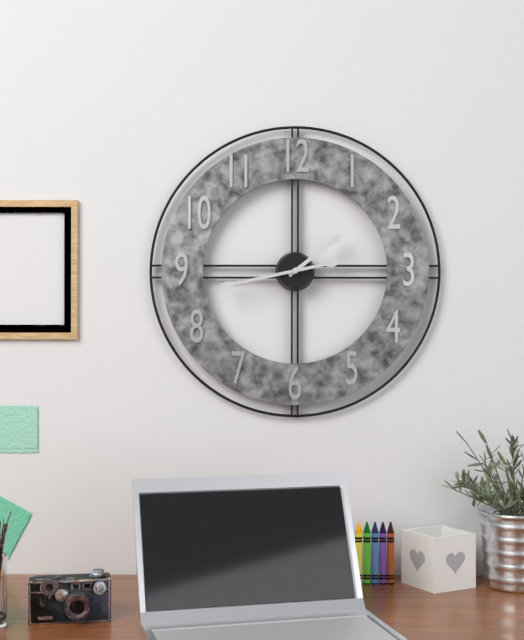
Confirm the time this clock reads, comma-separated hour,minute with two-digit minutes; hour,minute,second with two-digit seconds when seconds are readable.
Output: 1,43
